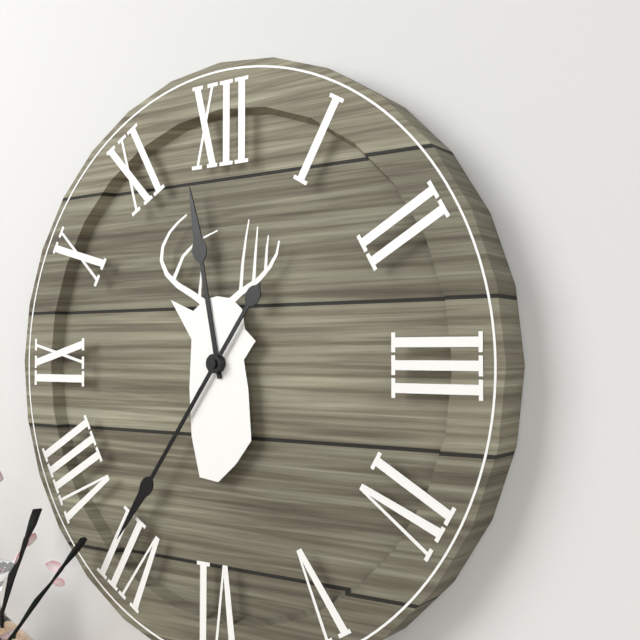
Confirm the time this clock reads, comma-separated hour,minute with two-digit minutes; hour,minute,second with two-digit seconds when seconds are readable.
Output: 11,36
